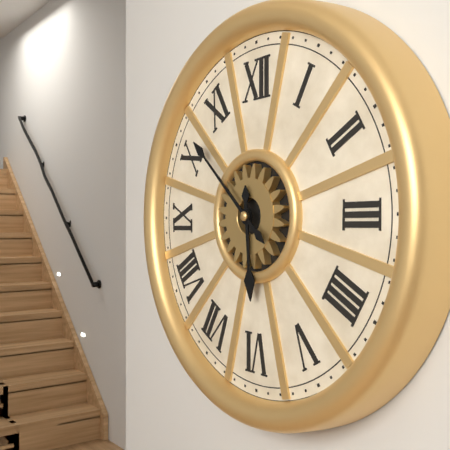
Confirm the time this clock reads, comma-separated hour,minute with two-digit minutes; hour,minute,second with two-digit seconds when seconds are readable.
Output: 5,52
